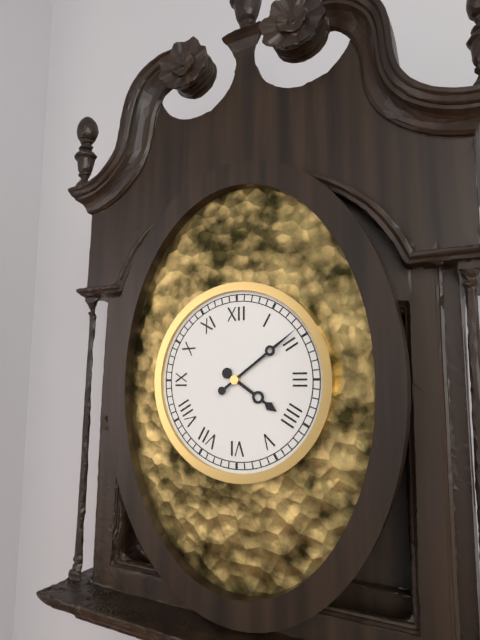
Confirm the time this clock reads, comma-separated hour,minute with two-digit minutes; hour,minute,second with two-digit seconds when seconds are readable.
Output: 4,09
